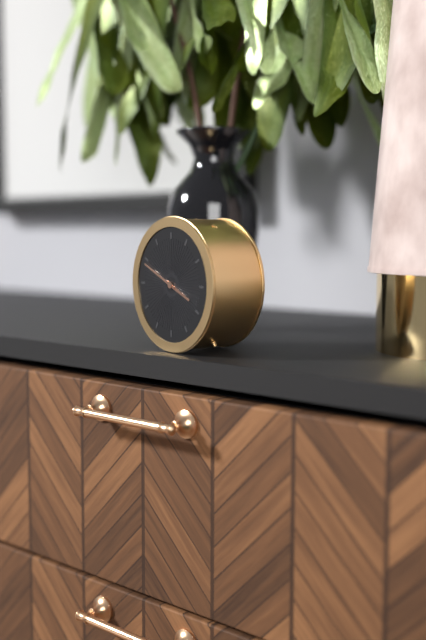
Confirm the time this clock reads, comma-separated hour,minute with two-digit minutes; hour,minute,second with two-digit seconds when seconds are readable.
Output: 3,49
